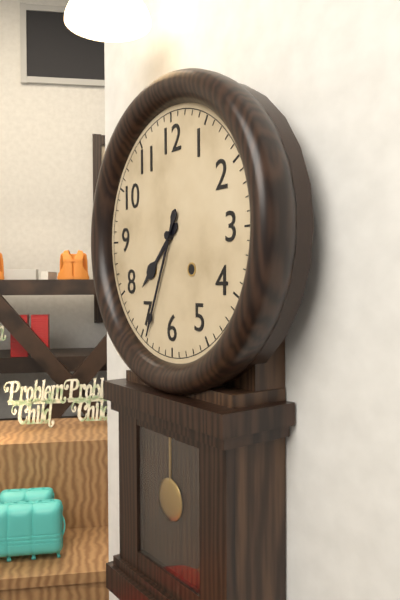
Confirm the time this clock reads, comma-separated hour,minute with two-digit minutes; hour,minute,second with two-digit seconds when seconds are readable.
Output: 7,34
